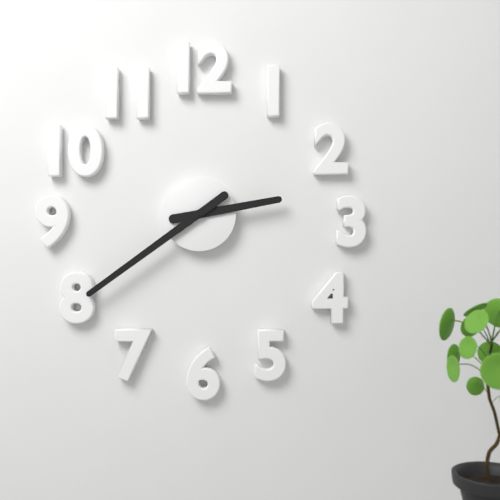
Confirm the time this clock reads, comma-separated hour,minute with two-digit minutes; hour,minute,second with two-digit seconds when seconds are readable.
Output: 2,39
